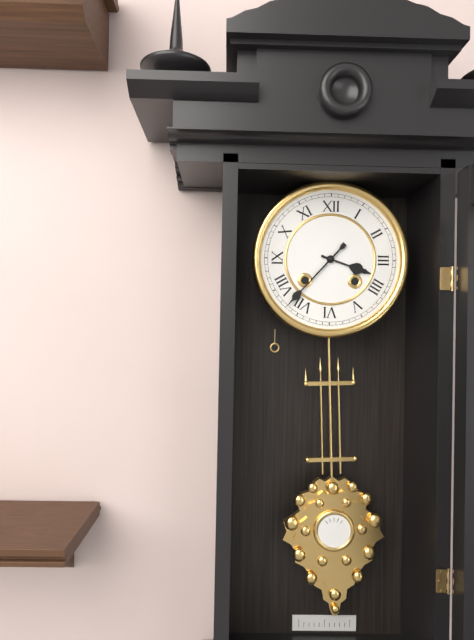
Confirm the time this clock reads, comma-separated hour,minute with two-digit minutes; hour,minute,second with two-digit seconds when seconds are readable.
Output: 3,37
